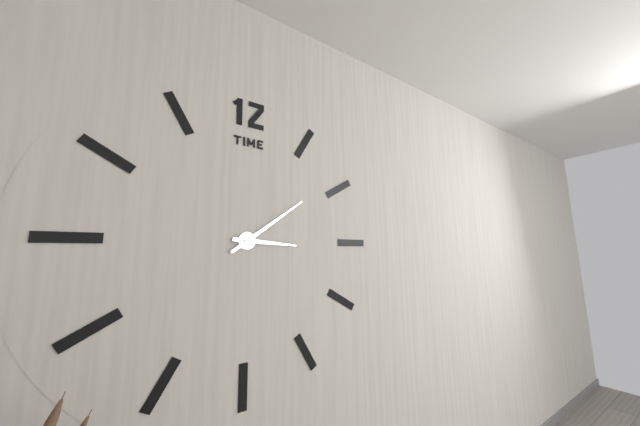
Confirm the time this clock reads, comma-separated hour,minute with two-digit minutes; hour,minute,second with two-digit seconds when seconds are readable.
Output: 3,09
